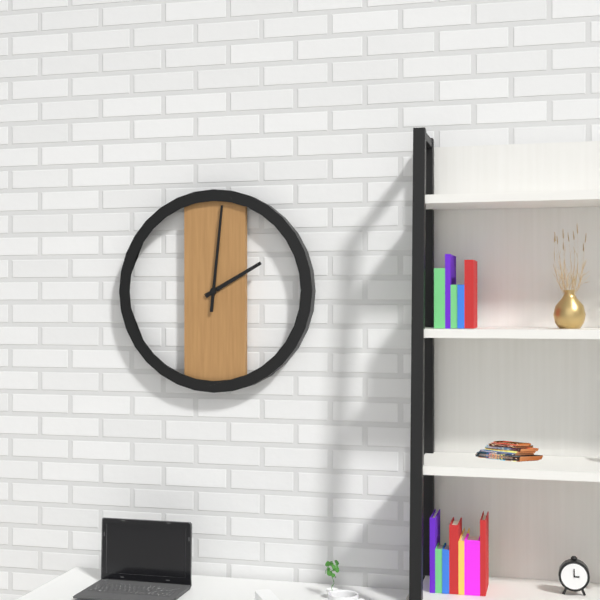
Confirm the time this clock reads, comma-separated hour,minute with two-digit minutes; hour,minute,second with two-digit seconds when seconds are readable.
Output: 2,01
